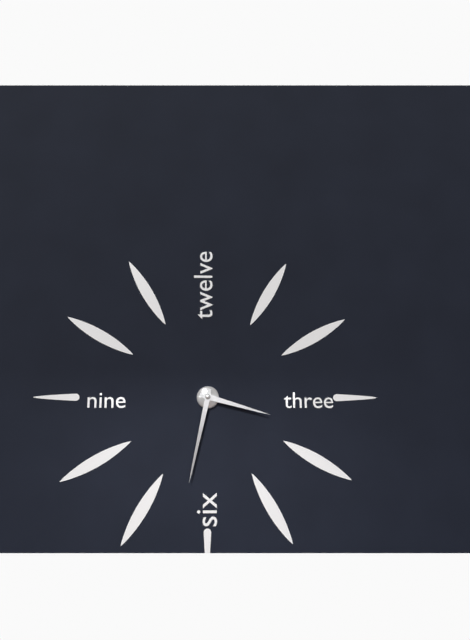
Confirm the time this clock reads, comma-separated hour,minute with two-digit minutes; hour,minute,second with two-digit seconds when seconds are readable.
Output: 3,32
